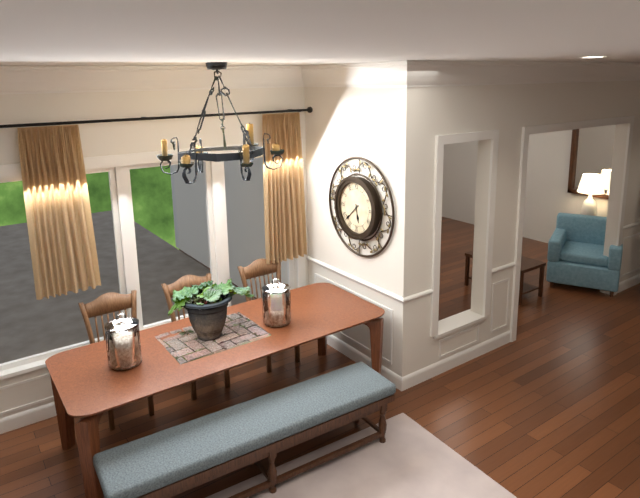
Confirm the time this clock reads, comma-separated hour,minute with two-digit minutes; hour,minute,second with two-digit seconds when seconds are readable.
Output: 5,38
